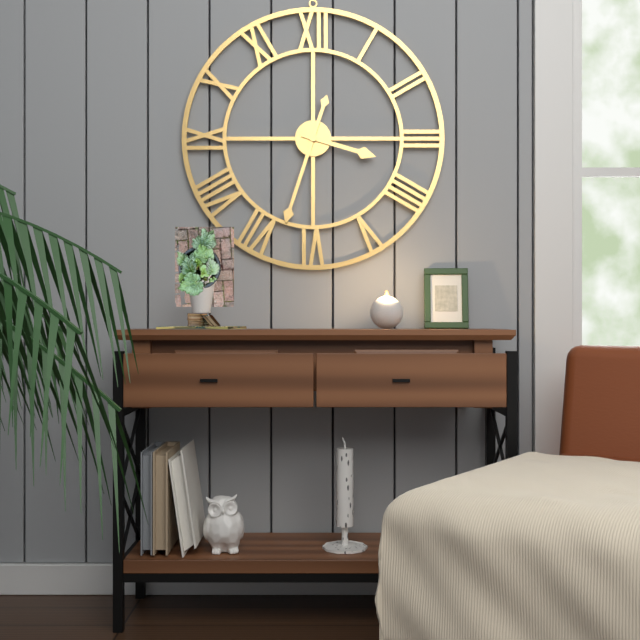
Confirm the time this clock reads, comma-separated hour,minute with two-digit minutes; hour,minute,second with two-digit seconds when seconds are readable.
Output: 3,33
